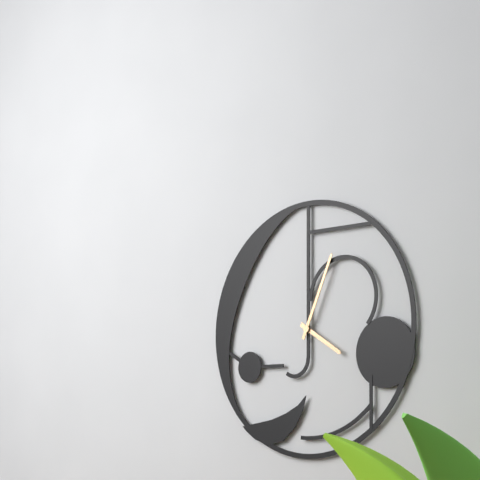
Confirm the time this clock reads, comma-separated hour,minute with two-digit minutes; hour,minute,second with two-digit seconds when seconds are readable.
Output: 4,04
